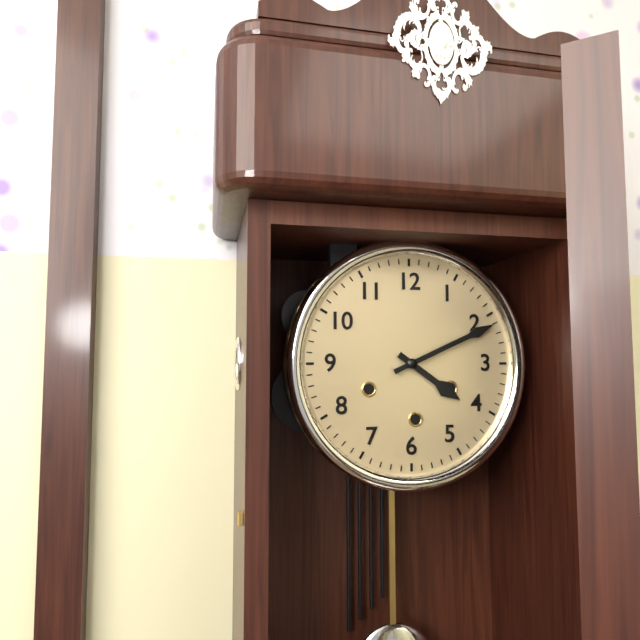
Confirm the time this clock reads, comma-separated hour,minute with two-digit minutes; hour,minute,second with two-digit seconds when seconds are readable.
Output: 4,11
